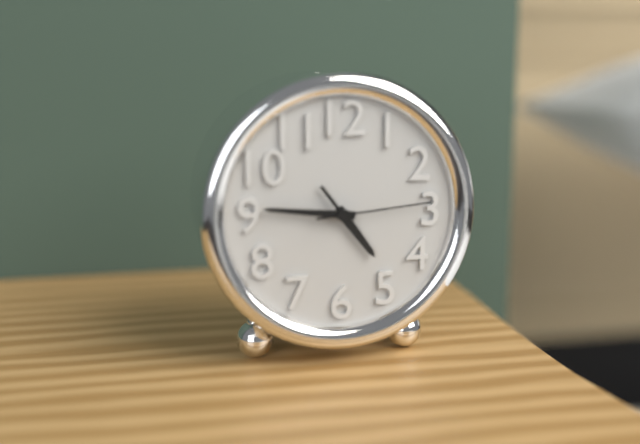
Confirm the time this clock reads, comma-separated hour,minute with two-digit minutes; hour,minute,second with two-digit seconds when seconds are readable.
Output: 4,46,14
